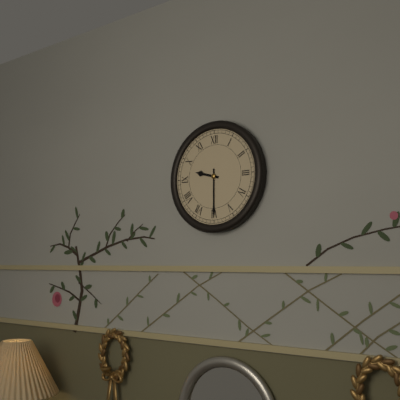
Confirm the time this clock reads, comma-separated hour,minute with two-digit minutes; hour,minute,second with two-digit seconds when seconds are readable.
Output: 9,30
